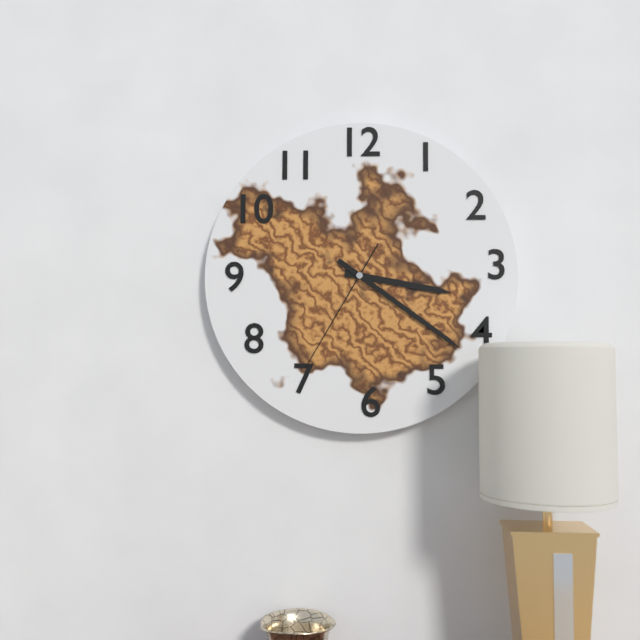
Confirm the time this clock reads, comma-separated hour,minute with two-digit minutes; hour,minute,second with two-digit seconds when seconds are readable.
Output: 3,21,35
